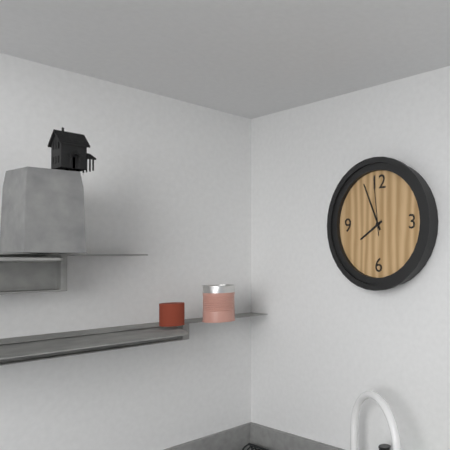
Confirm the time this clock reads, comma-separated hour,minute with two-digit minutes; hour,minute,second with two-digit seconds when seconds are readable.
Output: 7,56,59
